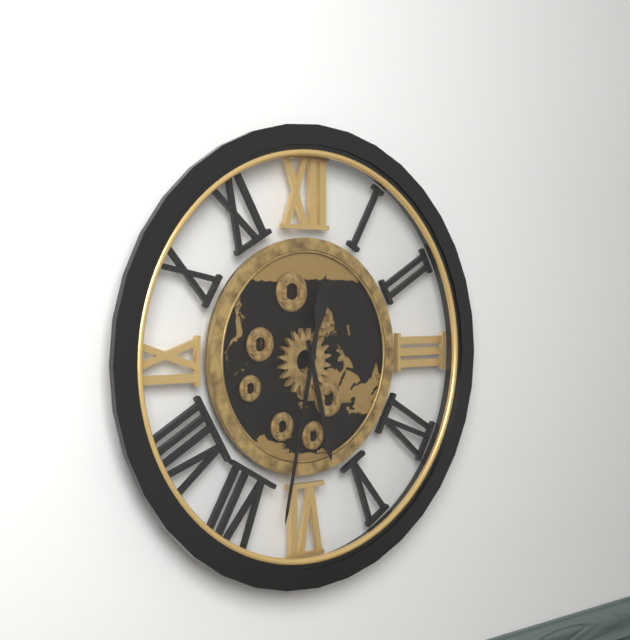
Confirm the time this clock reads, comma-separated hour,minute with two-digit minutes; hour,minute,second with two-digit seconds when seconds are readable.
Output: 5,32
